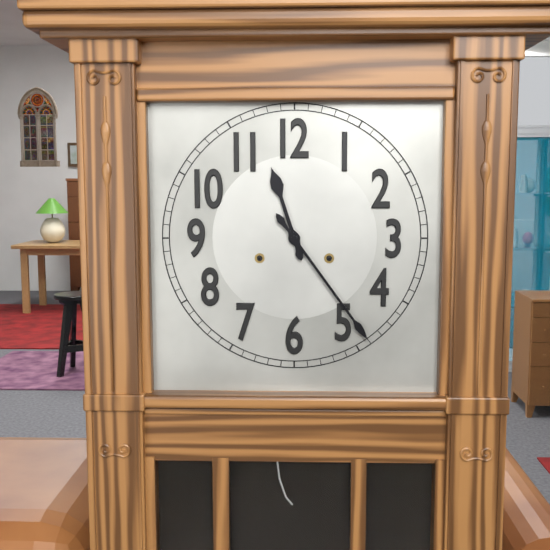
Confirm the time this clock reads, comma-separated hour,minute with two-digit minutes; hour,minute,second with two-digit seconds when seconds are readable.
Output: 11,24
